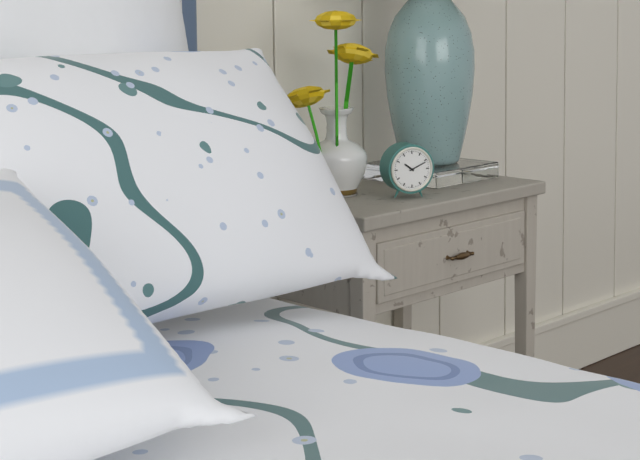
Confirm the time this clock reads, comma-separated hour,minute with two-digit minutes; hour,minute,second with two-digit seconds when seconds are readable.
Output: 10,11
